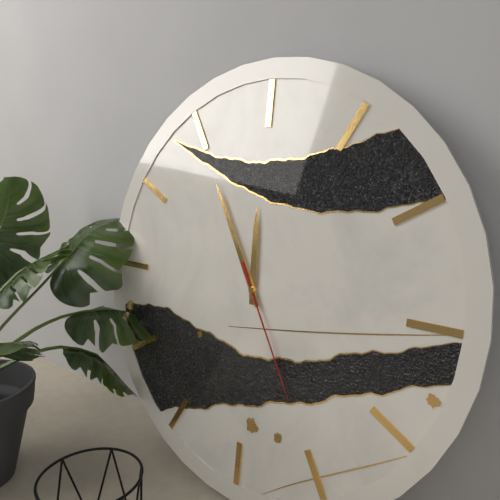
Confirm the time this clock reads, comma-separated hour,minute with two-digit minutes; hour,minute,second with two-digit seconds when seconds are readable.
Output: 11,55,25
